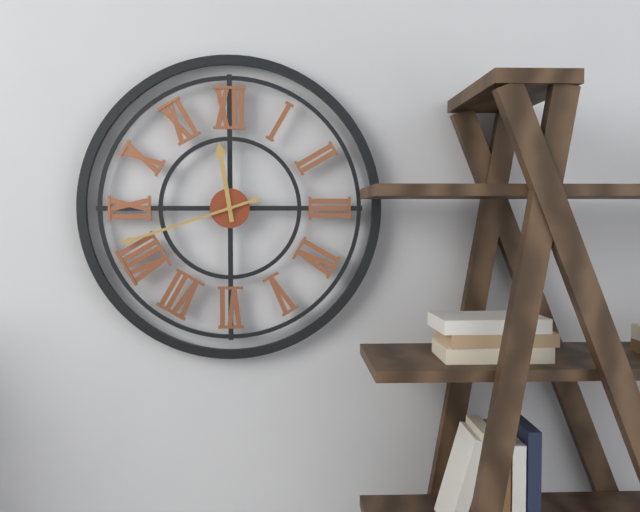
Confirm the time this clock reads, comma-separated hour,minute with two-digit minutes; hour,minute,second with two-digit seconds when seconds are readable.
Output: 11,42
